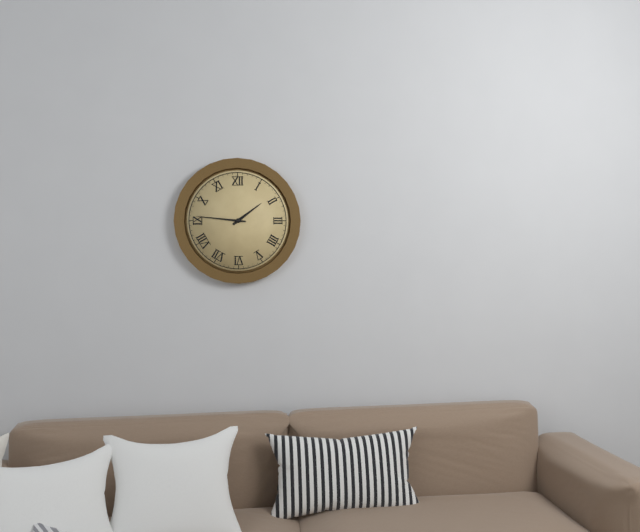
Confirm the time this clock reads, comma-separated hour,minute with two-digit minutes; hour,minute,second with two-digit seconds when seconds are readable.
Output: 1,46
